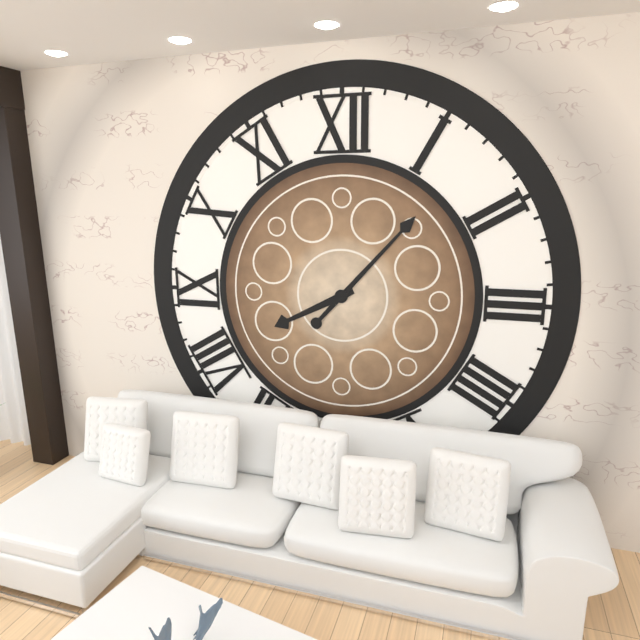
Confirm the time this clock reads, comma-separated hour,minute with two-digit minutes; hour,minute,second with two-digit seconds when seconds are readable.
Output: 8,07
